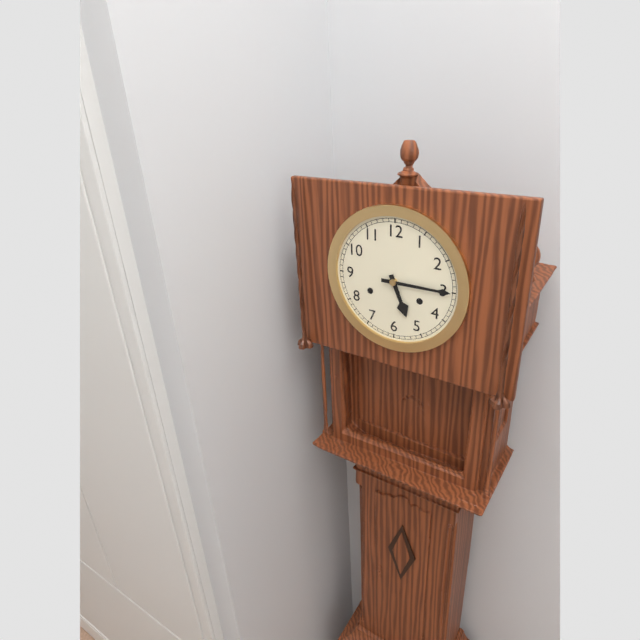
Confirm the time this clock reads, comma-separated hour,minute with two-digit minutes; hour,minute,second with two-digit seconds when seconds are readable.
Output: 5,15
